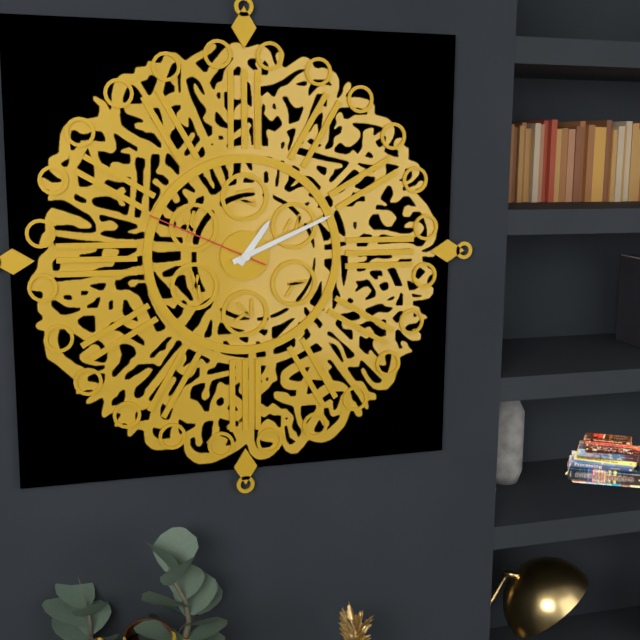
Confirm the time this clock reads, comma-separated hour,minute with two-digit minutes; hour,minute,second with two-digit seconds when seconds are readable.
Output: 1,11,49
